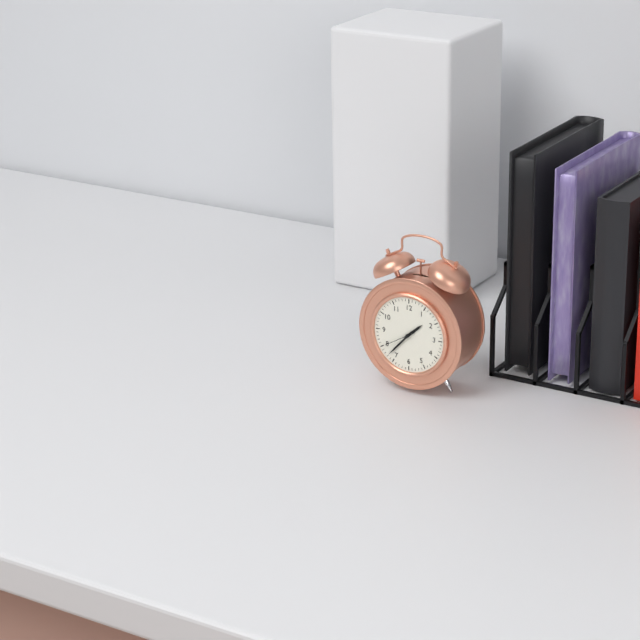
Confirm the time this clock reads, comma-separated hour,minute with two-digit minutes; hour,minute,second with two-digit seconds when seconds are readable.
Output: 1,37
